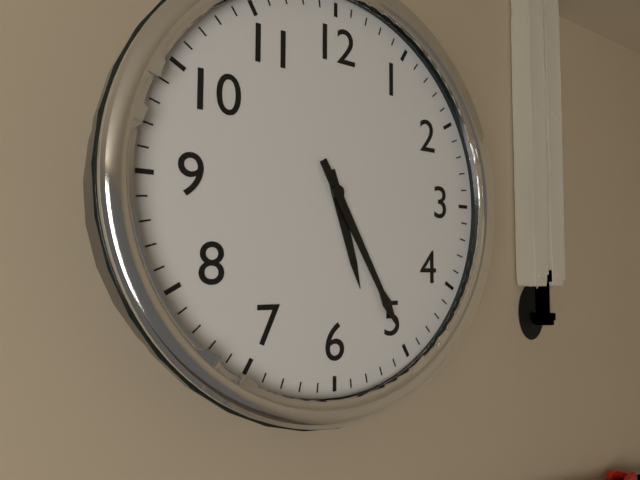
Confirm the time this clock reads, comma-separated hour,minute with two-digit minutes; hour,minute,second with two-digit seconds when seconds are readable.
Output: 5,25
